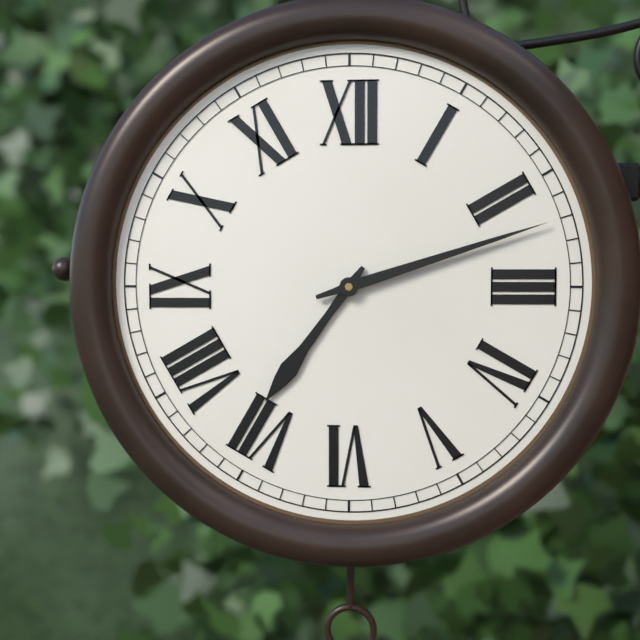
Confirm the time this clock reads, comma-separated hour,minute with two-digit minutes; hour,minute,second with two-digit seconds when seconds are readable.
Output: 7,12
